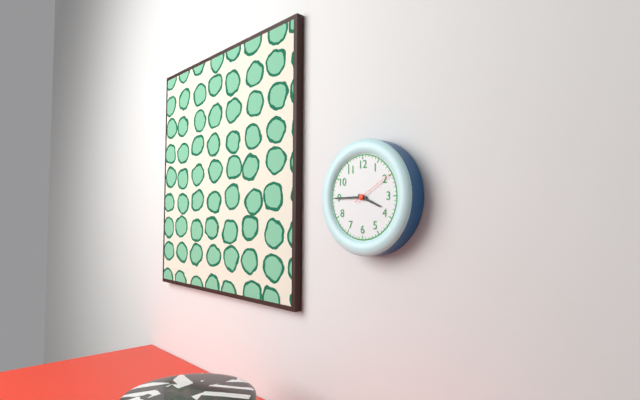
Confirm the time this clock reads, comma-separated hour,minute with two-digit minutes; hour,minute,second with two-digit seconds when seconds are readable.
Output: 3,45
